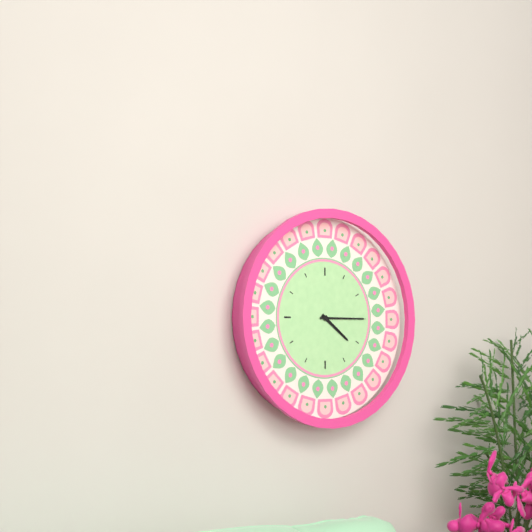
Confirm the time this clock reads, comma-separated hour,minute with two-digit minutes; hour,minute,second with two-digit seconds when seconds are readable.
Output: 4,15
